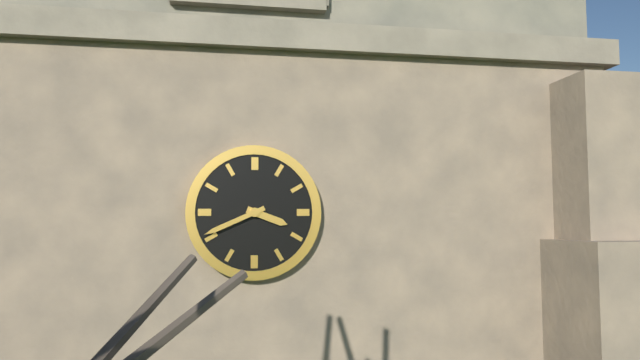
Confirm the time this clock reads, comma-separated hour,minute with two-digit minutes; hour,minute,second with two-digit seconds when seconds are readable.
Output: 3,41
